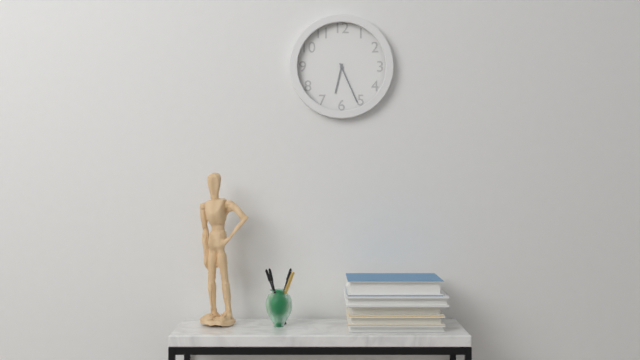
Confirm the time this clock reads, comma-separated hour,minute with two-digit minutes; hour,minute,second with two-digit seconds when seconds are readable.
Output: 6,26
